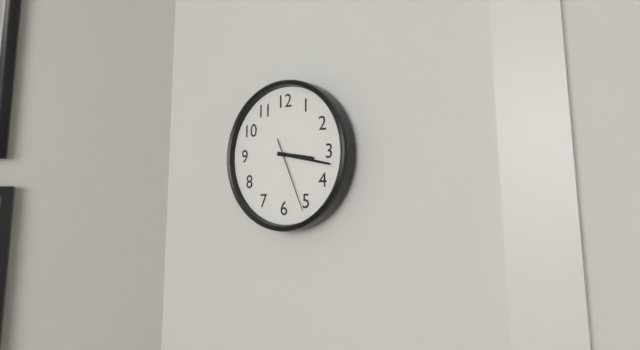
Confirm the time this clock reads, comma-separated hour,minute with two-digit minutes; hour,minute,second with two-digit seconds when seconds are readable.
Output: 3,17,26
